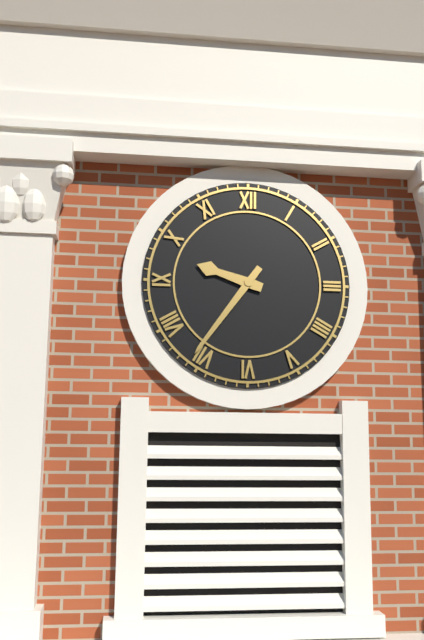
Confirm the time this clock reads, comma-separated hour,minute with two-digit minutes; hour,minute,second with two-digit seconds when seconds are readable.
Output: 9,36
